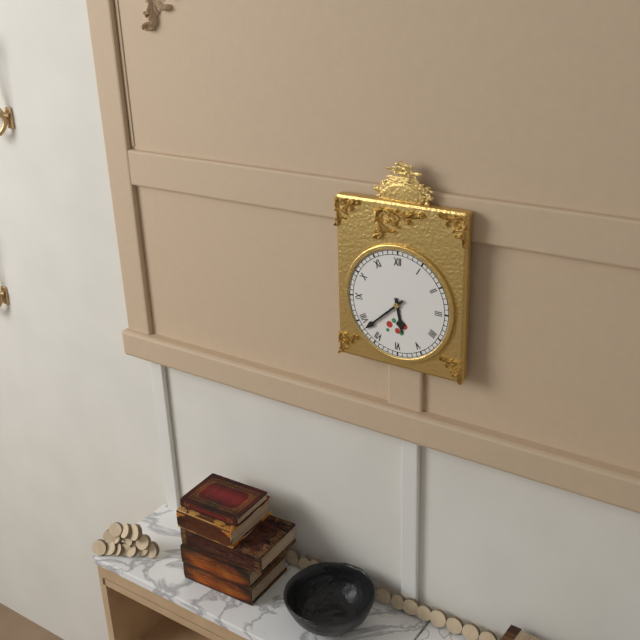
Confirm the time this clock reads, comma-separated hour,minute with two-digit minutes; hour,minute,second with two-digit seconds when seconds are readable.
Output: 5,38
